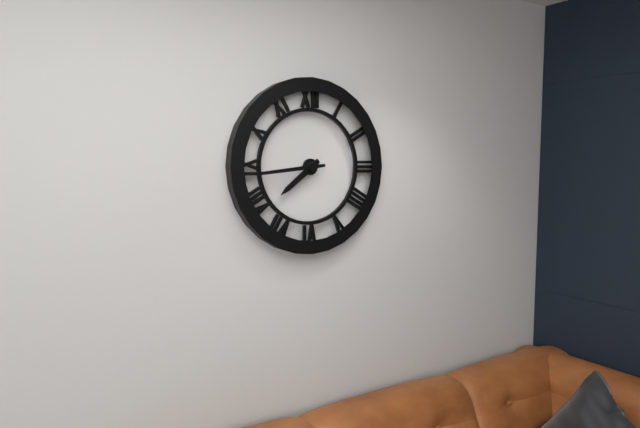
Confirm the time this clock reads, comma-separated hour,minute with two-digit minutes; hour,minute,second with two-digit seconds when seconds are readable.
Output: 7,44
